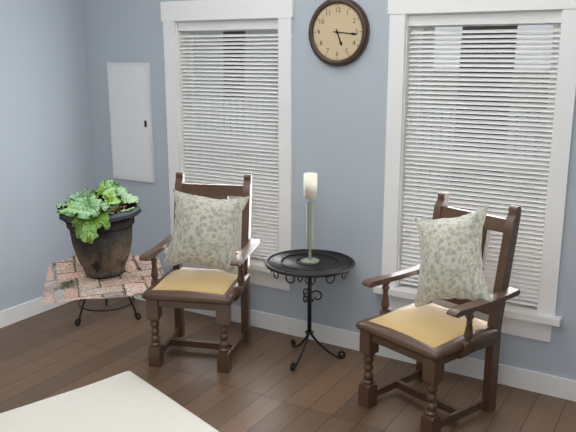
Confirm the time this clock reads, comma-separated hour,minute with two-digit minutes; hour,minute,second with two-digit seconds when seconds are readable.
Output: 5,16
